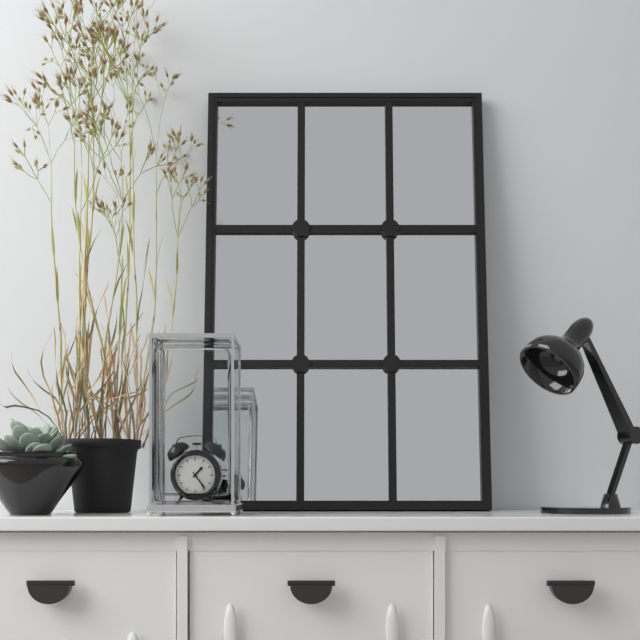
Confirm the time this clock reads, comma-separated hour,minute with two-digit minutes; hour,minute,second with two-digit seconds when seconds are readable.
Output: 1,24
